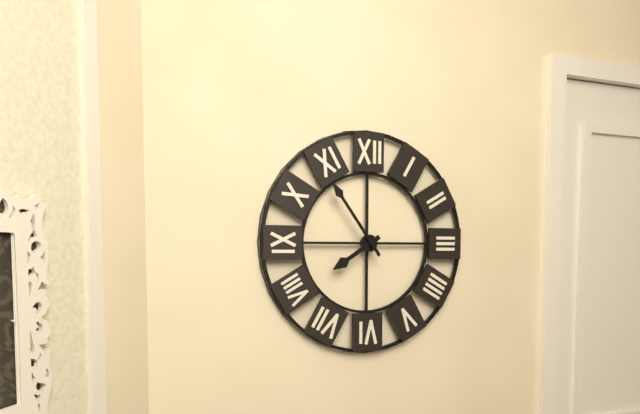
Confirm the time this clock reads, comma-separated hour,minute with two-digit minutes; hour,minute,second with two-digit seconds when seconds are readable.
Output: 7,54
